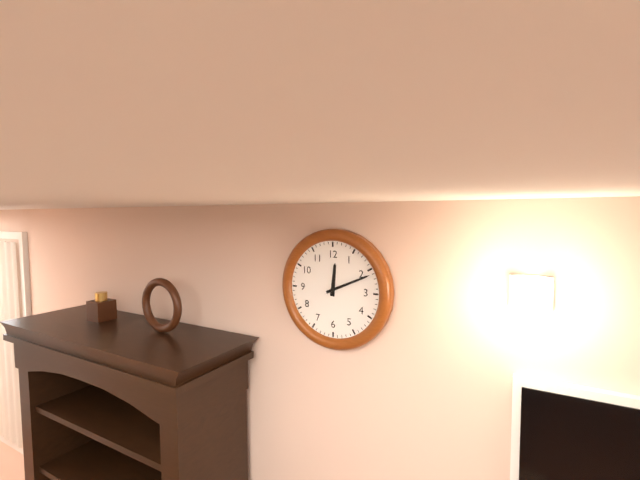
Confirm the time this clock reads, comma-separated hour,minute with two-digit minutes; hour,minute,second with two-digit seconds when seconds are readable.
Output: 12,11
